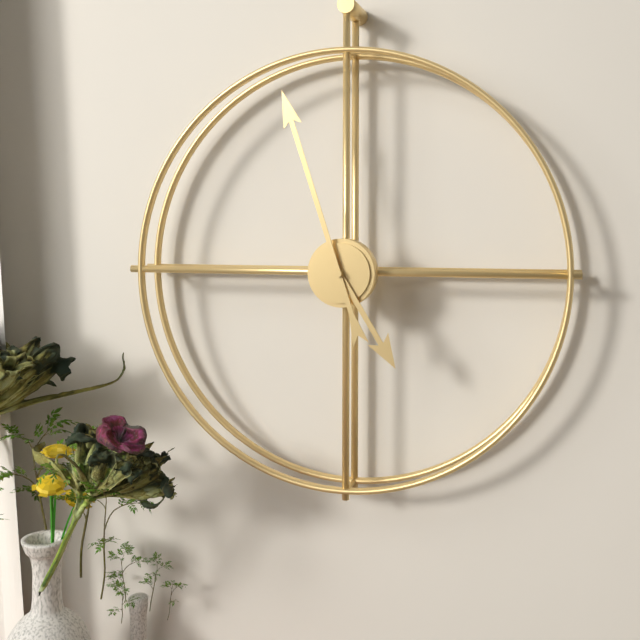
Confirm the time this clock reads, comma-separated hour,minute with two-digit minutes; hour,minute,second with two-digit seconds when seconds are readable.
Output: 4,57
